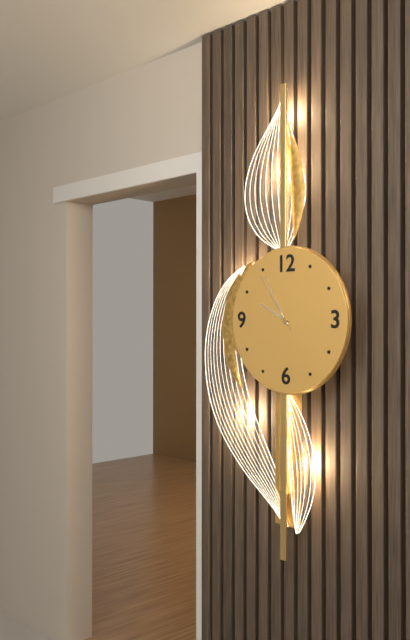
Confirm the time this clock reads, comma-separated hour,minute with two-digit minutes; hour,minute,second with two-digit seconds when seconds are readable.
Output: 9,55,54
